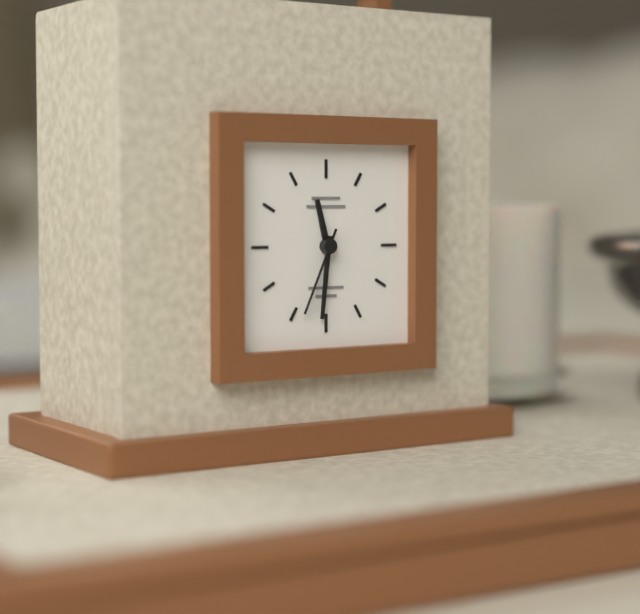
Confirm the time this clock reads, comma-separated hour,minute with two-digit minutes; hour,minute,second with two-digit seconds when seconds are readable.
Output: 11,31,34
